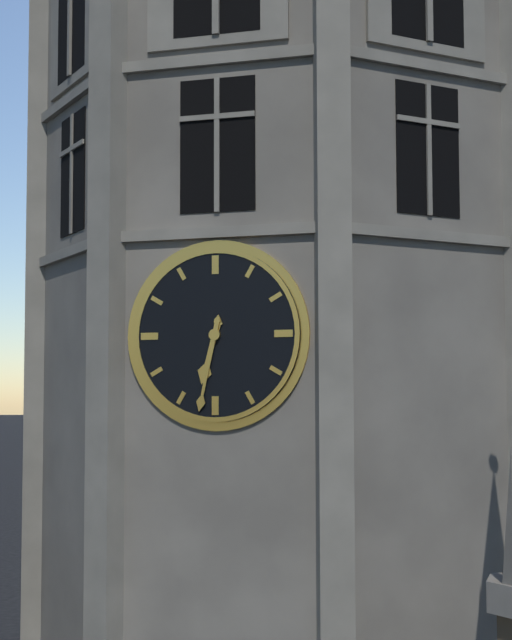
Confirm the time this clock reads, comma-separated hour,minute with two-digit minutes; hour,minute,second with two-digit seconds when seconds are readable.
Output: 6,32
